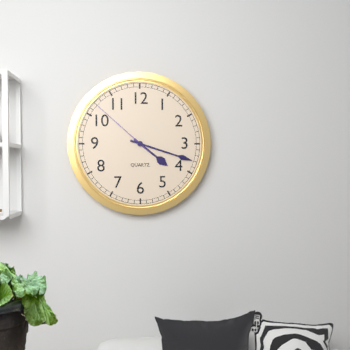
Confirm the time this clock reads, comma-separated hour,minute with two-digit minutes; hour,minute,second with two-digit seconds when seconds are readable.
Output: 4,18,52
